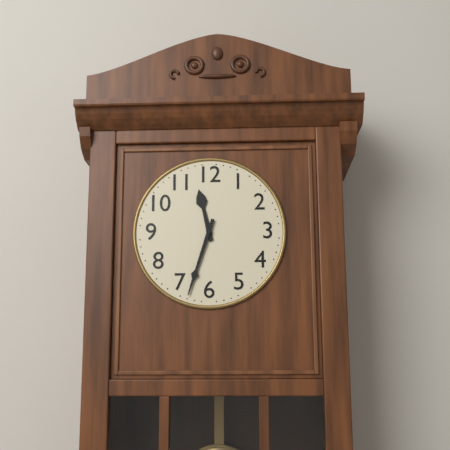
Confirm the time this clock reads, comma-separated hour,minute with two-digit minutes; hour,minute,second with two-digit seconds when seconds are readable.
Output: 11,33
